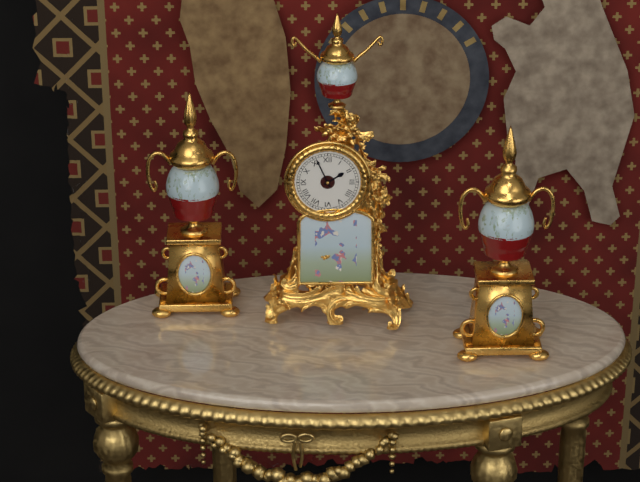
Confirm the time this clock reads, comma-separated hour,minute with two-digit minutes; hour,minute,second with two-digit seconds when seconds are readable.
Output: 1,56
